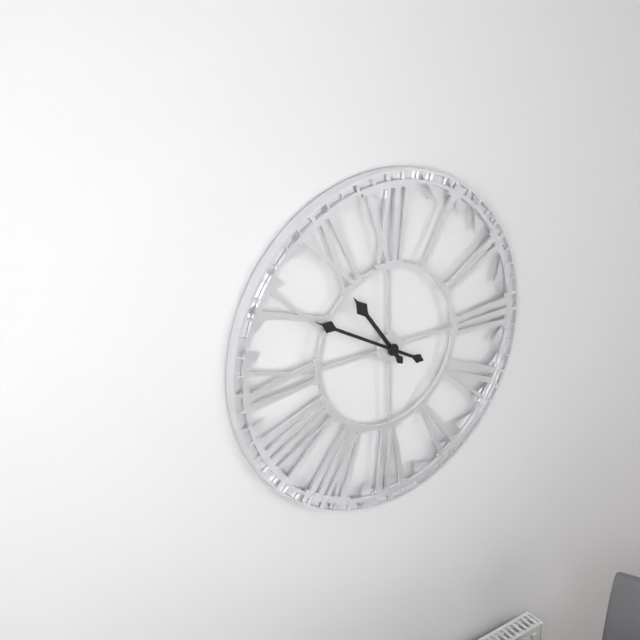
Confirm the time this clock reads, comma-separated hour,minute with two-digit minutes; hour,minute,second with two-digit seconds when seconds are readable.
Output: 10,50
